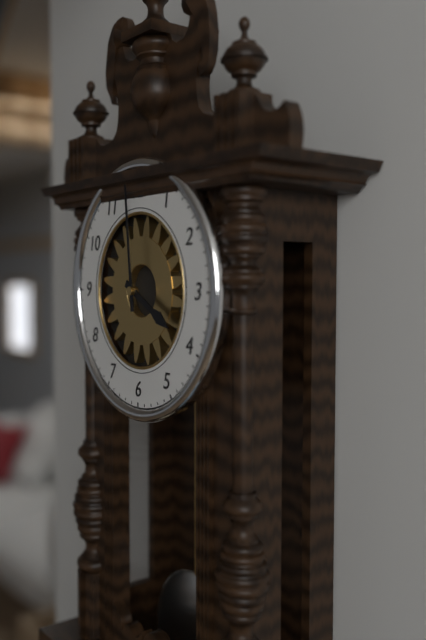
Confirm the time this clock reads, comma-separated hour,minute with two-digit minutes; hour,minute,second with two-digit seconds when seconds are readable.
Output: 3,59
